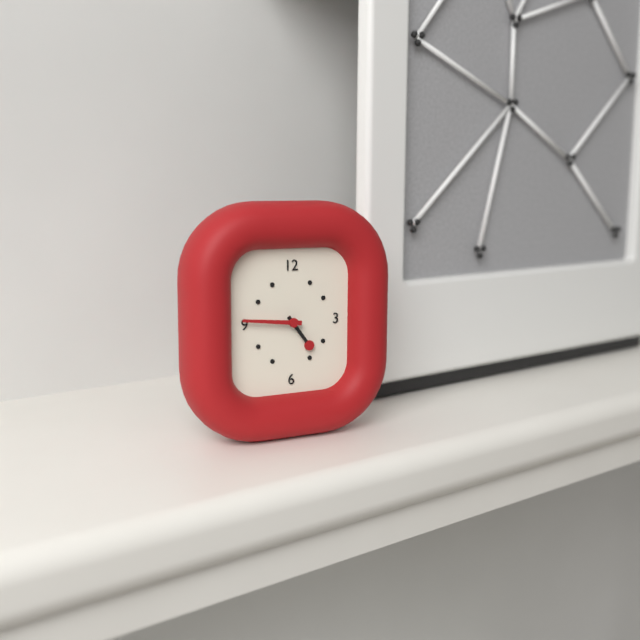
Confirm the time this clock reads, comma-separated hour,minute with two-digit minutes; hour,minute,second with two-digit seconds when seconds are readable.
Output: 4,46
